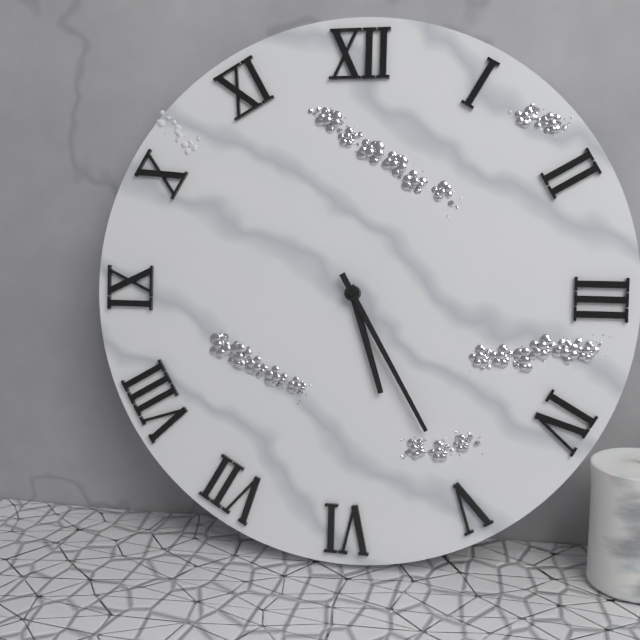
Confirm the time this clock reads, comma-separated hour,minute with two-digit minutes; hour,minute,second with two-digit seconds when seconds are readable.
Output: 5,25
